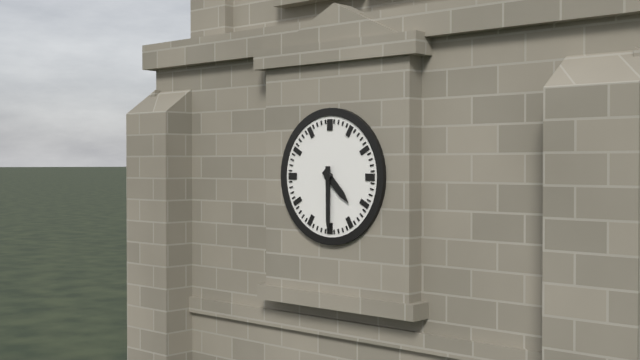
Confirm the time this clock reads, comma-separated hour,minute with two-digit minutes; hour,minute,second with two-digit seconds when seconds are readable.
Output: 4,30
